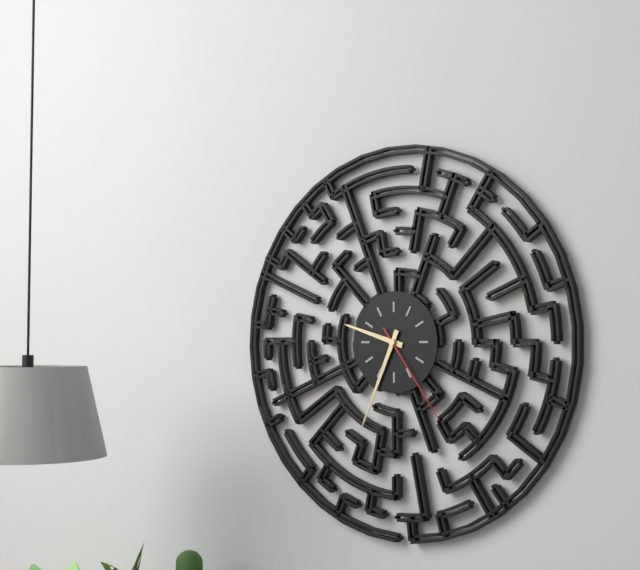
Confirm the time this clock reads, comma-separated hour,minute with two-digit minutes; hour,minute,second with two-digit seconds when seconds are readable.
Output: 9,34,24
